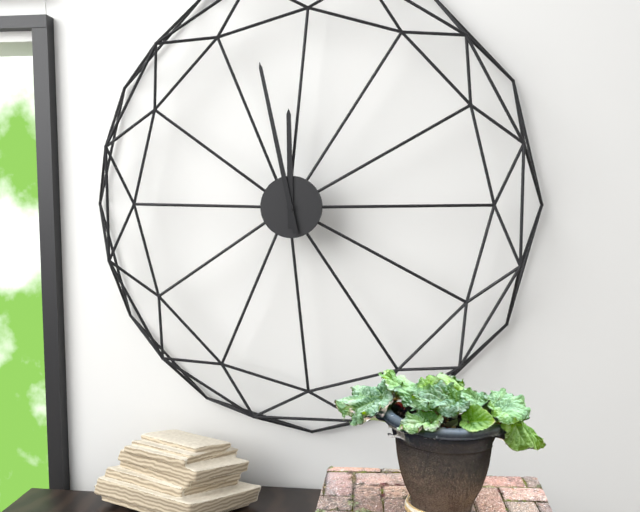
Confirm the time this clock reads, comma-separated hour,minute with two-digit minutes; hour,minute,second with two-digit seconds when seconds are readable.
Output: 11,58
